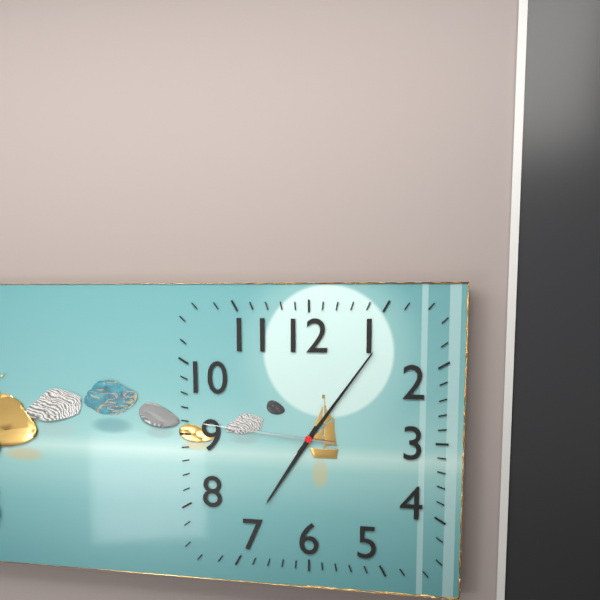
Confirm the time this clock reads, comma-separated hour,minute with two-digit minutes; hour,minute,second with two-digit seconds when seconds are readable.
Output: 7,06,46
